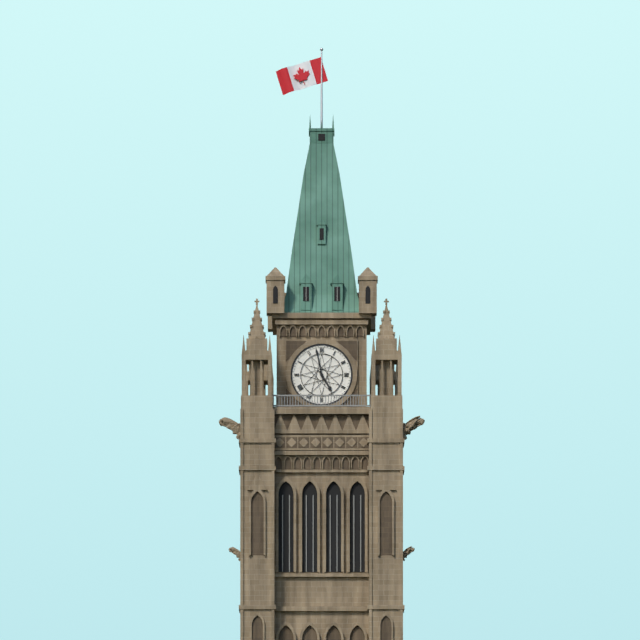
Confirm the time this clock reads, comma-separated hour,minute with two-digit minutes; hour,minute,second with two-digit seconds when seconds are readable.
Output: 4,58
